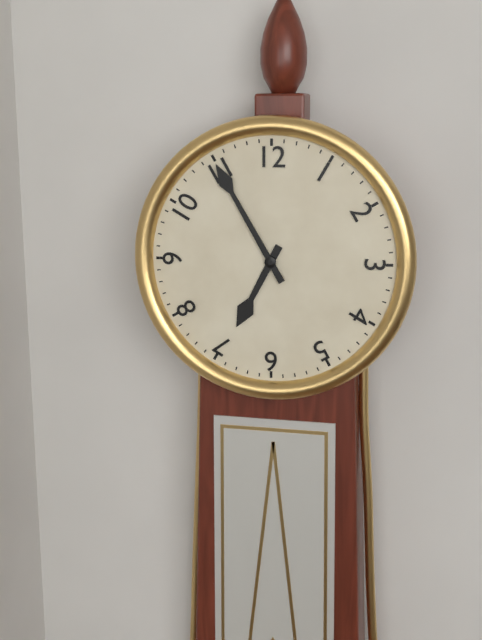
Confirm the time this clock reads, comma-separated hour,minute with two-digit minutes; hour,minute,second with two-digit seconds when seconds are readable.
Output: 6,55
